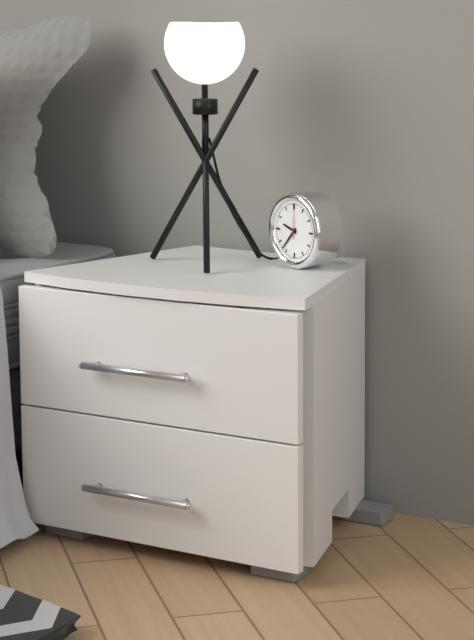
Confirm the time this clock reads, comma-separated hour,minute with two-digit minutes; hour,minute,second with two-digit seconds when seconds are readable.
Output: 9,37
